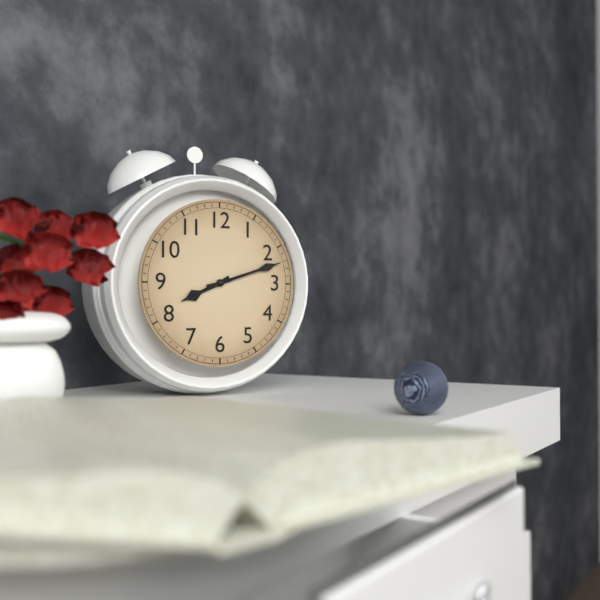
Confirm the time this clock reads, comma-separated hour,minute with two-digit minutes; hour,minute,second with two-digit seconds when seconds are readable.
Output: 8,12
